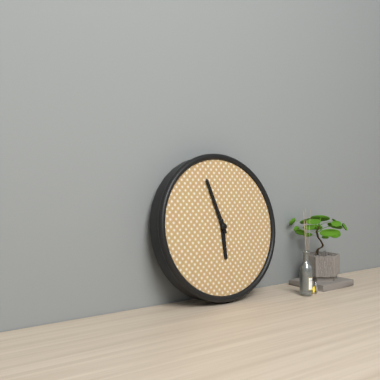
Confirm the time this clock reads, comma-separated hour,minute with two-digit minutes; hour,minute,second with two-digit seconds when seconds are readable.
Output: 5,57
